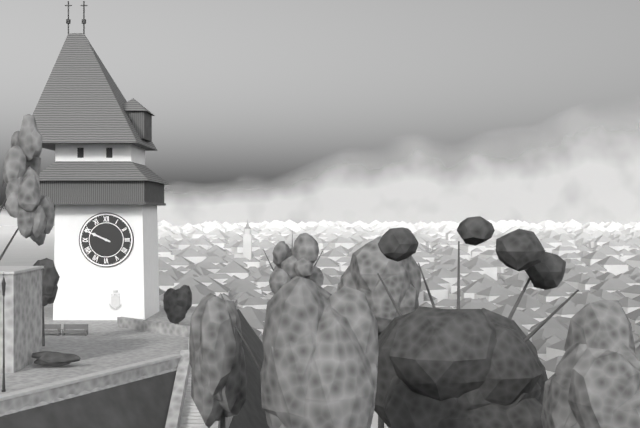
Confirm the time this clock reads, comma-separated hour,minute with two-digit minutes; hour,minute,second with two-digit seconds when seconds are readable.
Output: 9,49
